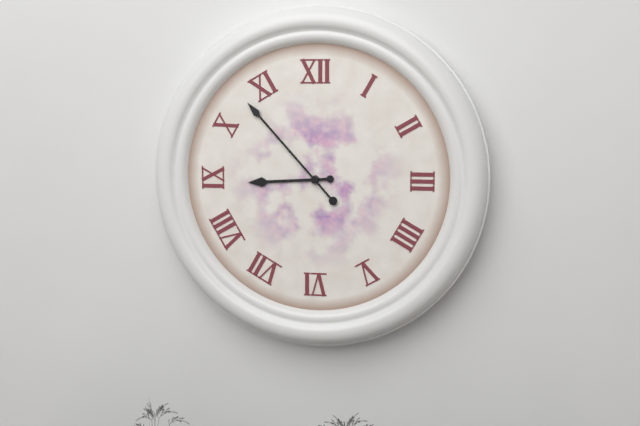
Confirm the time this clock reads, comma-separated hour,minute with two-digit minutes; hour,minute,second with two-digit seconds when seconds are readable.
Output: 8,53
